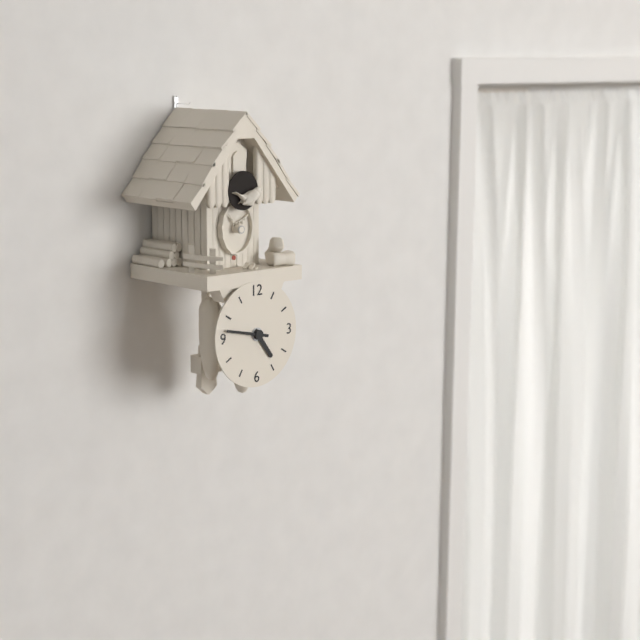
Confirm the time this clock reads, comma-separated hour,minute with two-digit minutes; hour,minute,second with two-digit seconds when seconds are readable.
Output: 4,47
